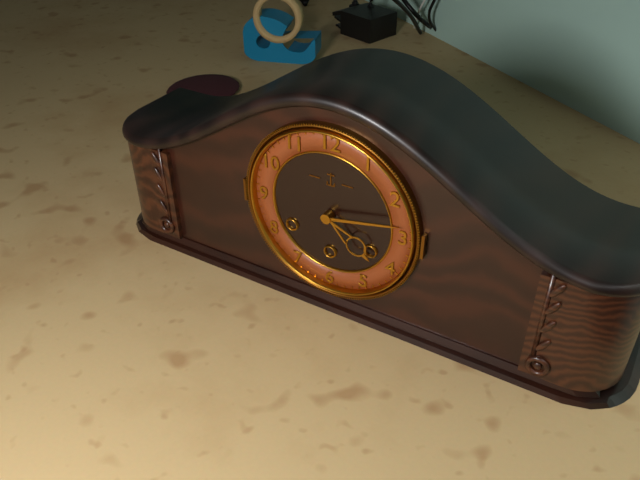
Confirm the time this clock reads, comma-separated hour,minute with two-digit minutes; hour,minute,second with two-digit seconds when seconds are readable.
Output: 4,13
